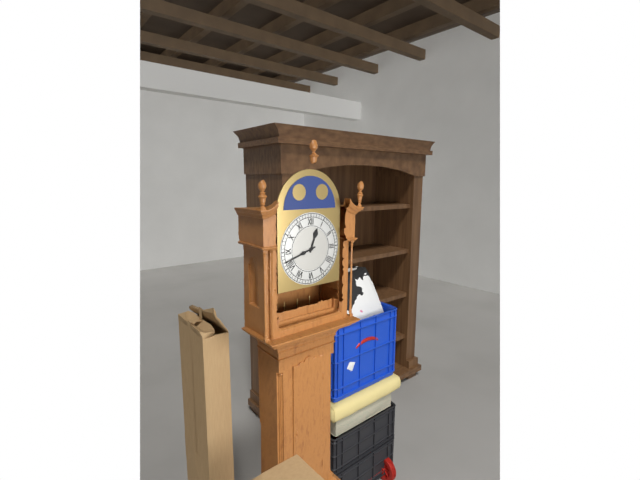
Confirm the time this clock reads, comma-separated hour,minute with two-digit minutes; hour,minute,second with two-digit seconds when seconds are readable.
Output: 12,42
